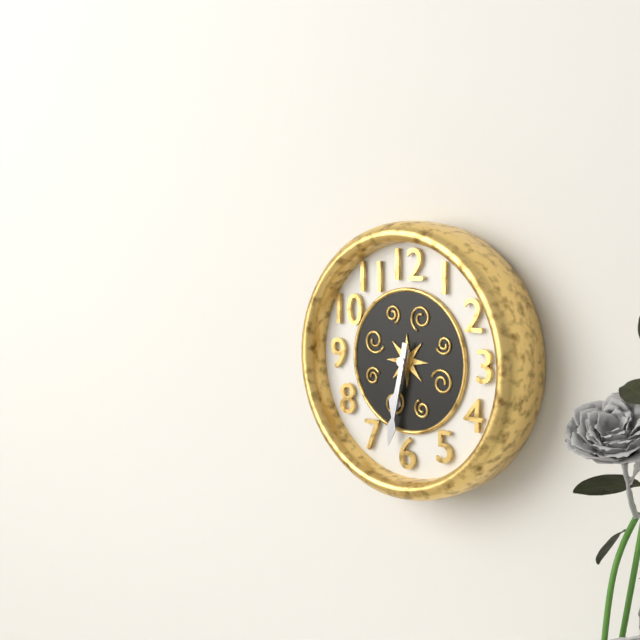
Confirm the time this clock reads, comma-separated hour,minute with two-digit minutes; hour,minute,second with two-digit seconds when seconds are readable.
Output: 6,32
